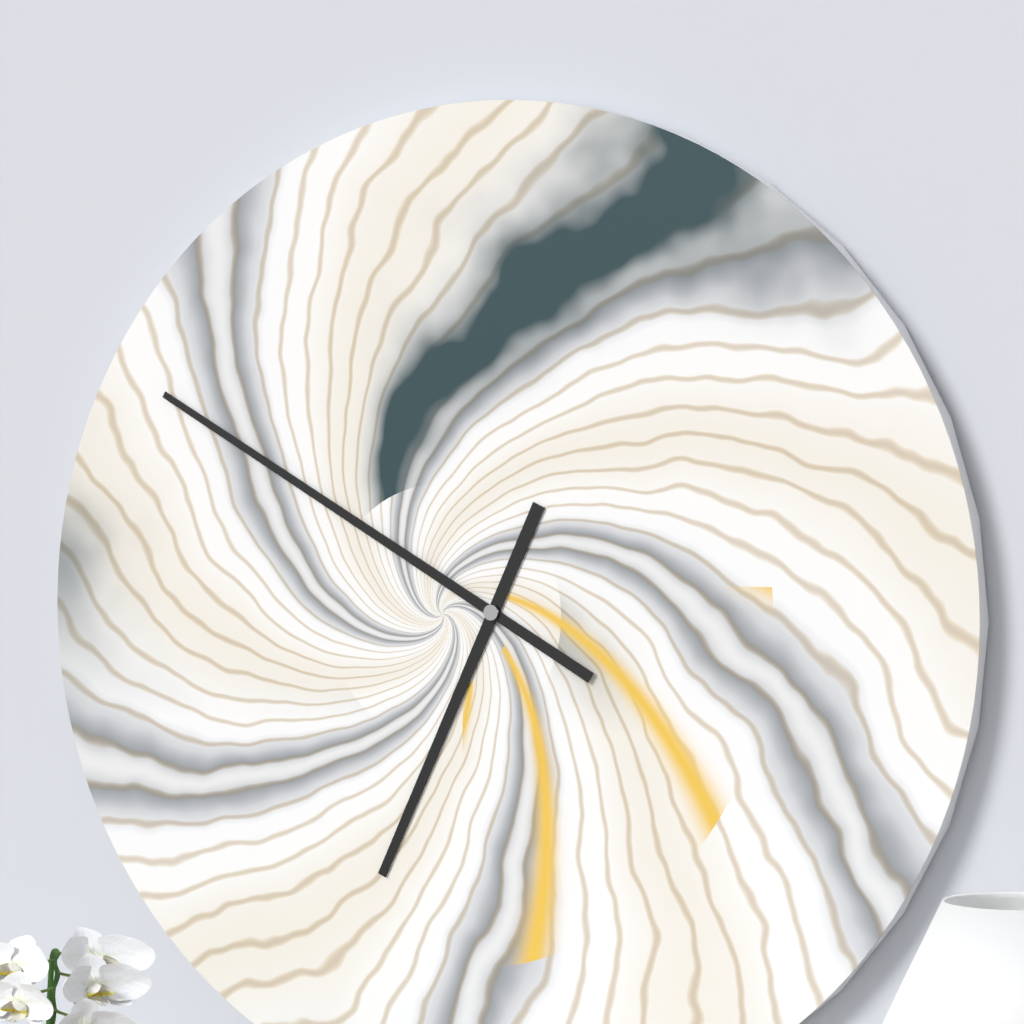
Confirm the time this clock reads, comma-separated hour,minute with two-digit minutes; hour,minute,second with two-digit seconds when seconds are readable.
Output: 6,50
